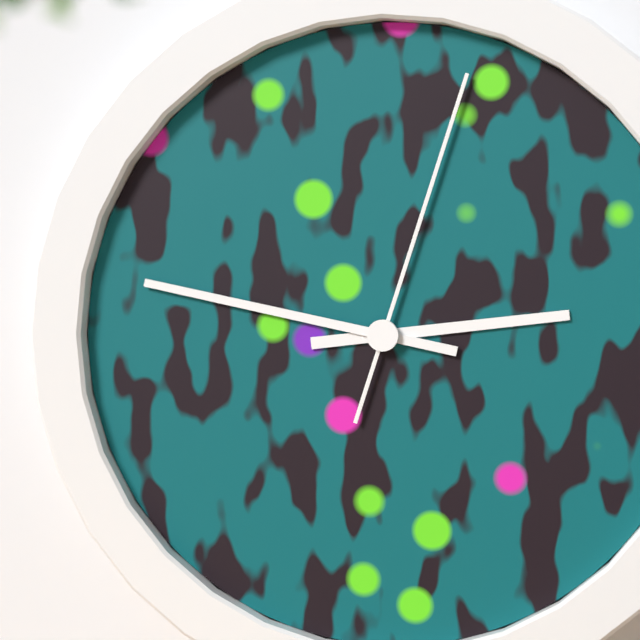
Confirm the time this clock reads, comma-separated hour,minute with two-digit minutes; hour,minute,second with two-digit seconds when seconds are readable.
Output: 2,47,03
